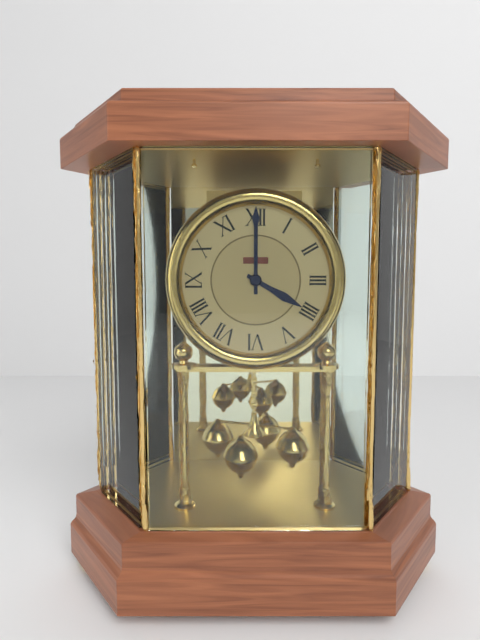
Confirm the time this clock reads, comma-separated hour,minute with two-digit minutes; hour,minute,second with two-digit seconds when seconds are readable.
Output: 4,00
